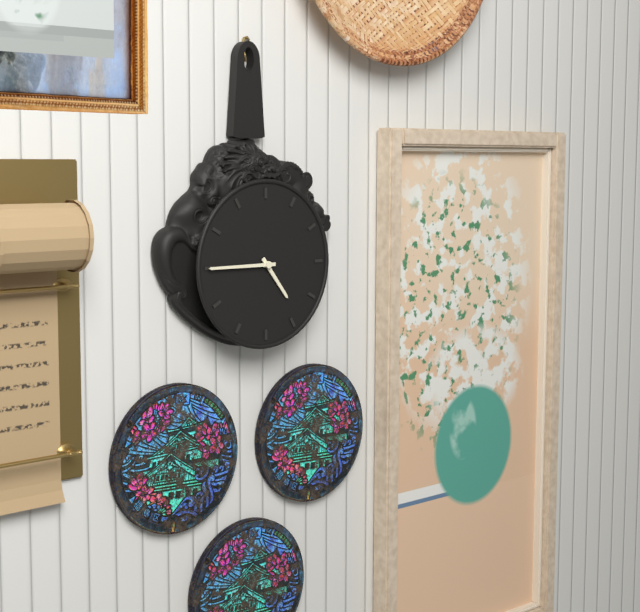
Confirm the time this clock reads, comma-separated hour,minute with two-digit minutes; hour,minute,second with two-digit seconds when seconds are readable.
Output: 4,45
